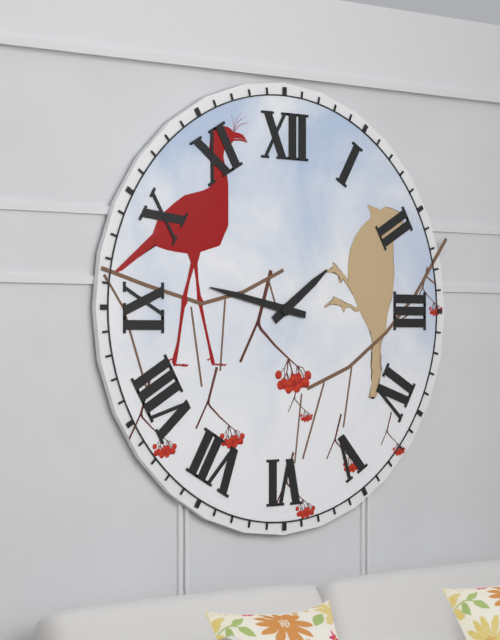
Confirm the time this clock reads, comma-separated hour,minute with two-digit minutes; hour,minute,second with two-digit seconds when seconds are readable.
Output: 1,47
